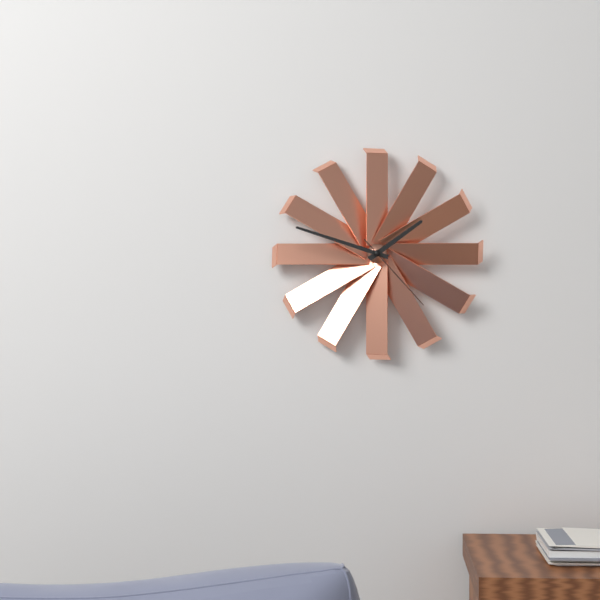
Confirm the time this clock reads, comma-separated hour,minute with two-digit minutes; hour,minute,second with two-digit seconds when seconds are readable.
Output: 1,48,23
